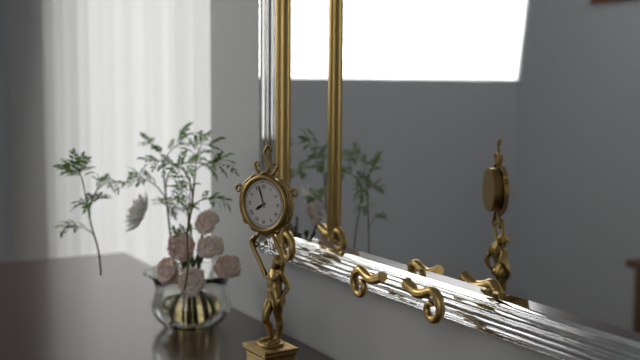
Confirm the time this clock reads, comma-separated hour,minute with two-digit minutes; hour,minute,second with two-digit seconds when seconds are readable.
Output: 7,57
